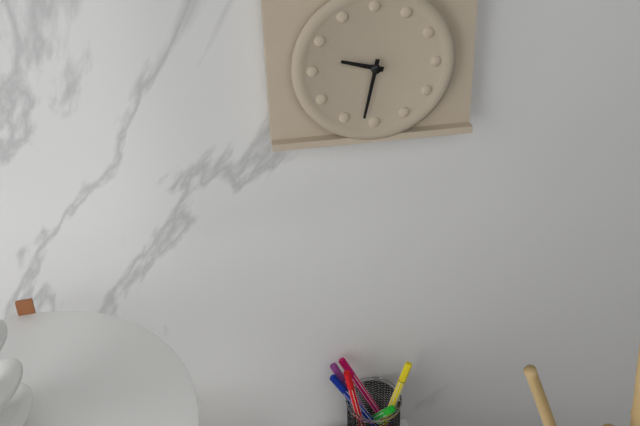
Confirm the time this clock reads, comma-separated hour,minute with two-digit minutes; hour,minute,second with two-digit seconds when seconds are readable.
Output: 9,32
